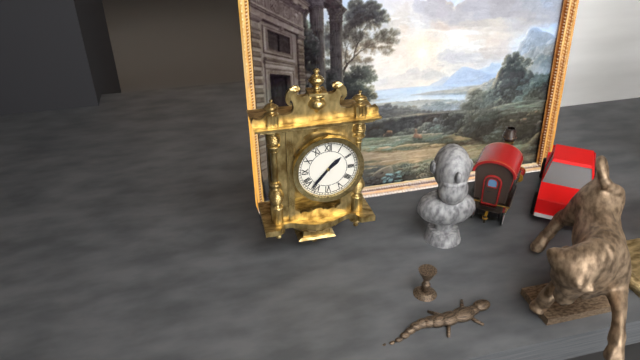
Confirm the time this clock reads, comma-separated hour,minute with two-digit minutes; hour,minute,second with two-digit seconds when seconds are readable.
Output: 1,37
